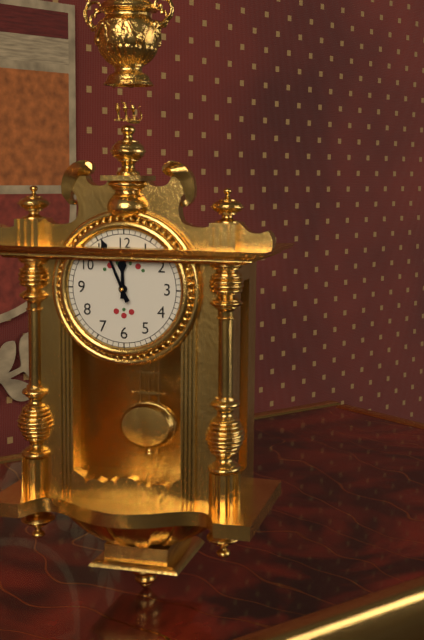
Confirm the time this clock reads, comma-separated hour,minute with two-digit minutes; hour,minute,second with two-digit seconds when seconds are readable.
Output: 11,56
